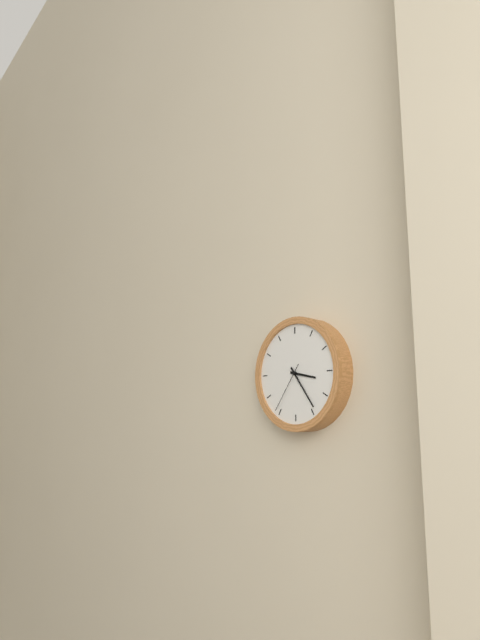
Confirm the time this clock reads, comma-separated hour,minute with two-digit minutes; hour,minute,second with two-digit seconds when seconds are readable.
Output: 3,24,36
